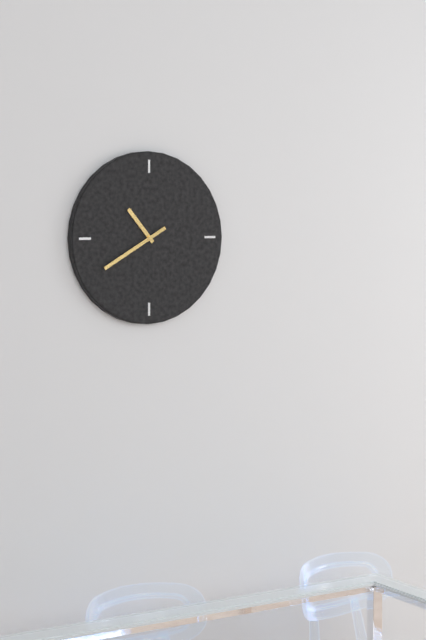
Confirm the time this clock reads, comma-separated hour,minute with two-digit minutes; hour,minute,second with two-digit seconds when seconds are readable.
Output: 10,40
